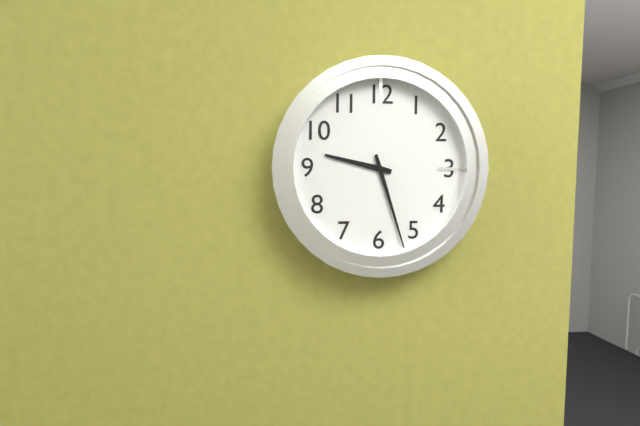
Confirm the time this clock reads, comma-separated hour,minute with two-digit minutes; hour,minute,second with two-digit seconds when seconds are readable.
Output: 9,27
